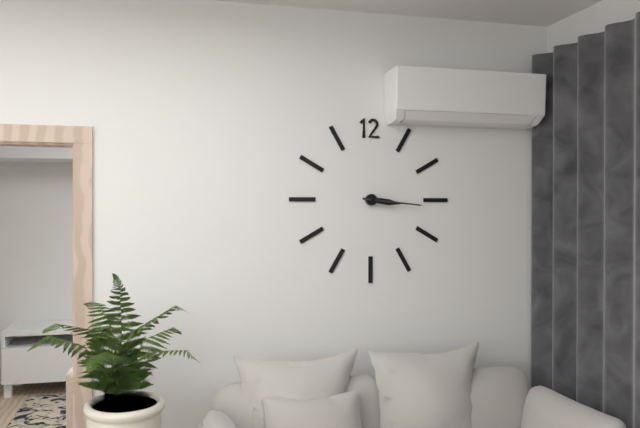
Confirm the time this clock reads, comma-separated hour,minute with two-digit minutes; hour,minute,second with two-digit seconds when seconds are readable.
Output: 3,16
